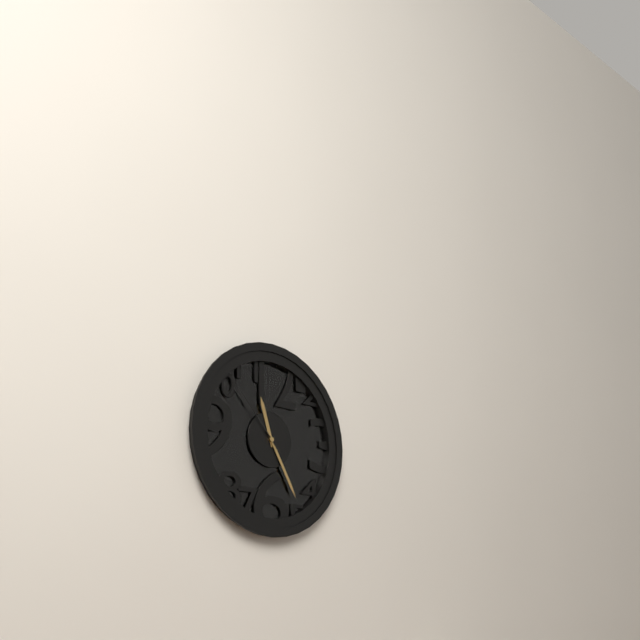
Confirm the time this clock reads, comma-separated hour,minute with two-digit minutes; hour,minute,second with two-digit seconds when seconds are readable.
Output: 11,25,53
